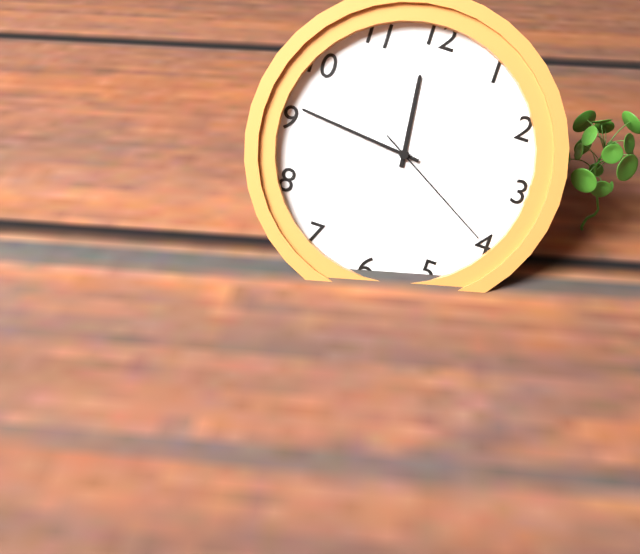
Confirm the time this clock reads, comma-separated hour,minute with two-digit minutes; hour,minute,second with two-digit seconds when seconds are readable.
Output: 11,46,20
